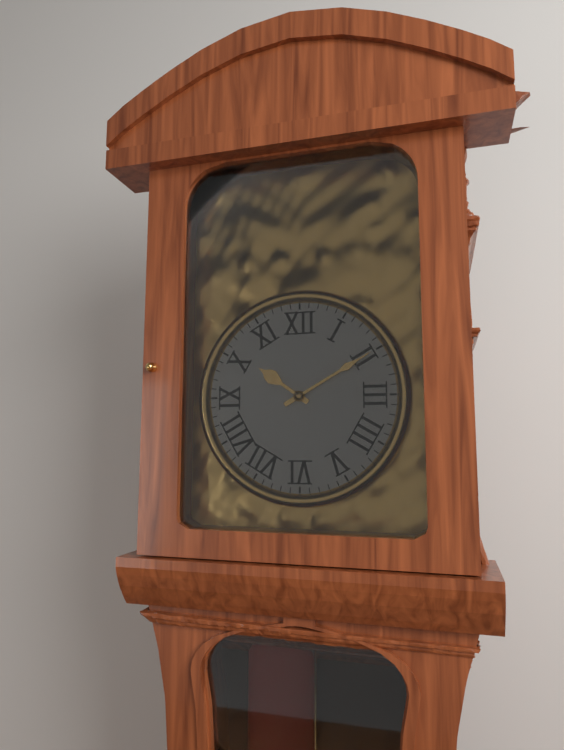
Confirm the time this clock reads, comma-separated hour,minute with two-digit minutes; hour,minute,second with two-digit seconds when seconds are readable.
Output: 10,10
